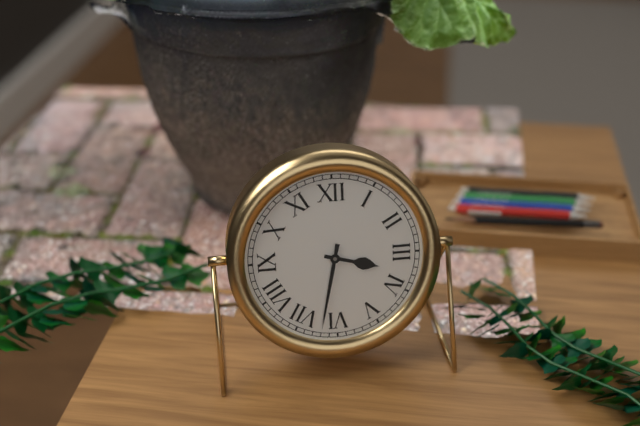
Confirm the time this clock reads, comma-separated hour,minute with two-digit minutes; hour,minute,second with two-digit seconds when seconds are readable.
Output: 3,32
